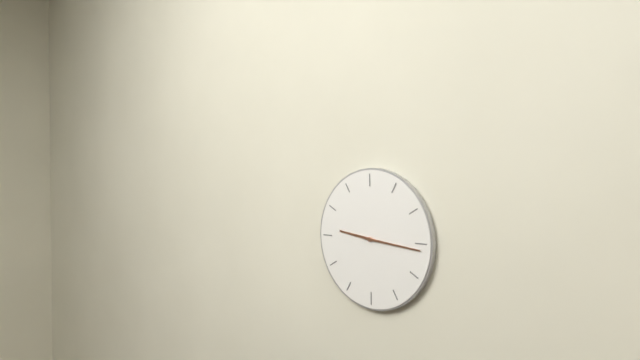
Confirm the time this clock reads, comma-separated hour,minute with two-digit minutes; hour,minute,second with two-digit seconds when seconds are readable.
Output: 9,16
